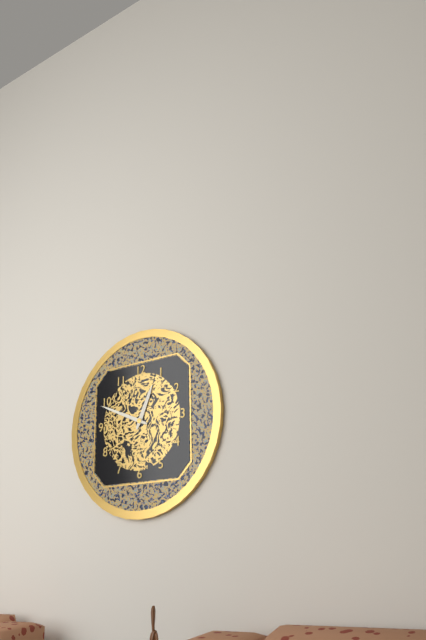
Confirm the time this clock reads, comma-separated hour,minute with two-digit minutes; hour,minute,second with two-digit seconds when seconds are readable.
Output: 12,49
